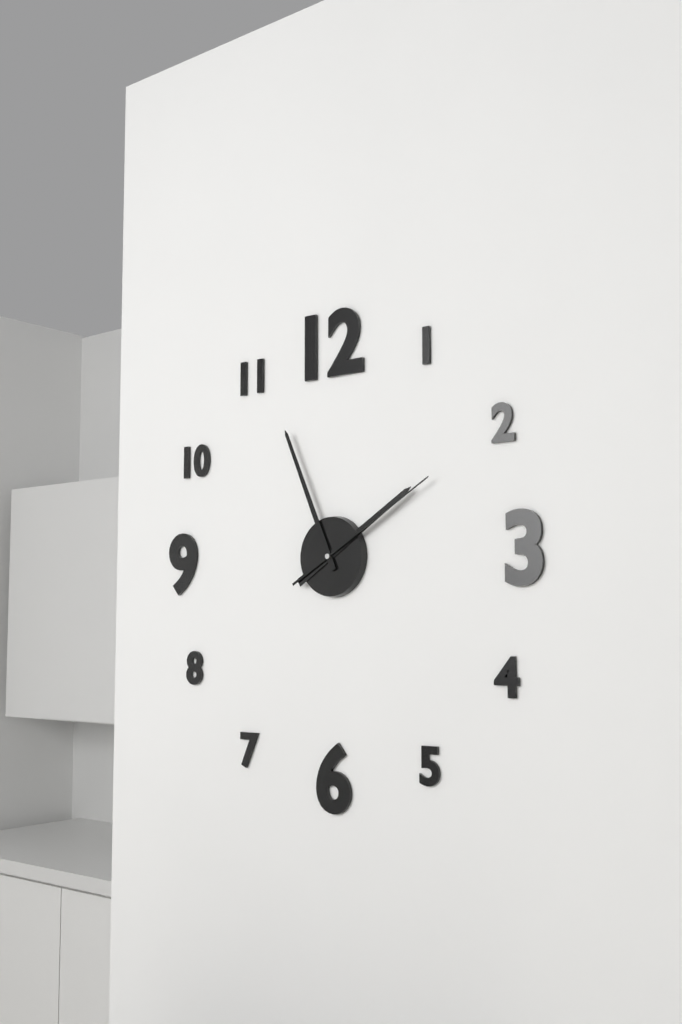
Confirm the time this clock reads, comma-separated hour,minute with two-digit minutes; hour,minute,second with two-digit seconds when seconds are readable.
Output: 1,56,10
